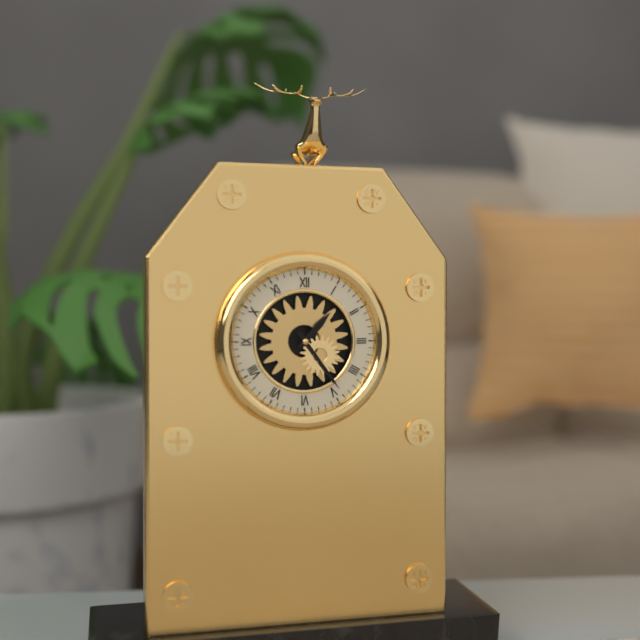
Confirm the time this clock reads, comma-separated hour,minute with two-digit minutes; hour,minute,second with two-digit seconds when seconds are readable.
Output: 1,24
